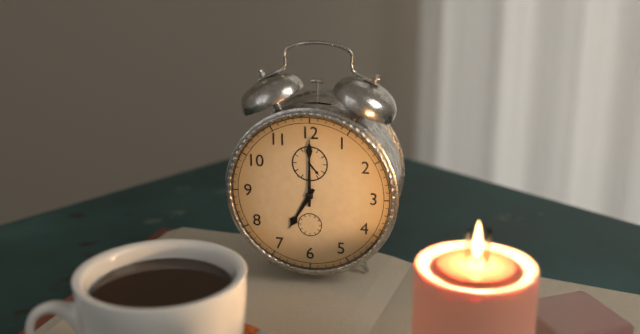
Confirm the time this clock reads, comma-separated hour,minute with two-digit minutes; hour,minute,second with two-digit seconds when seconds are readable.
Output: 7,00
